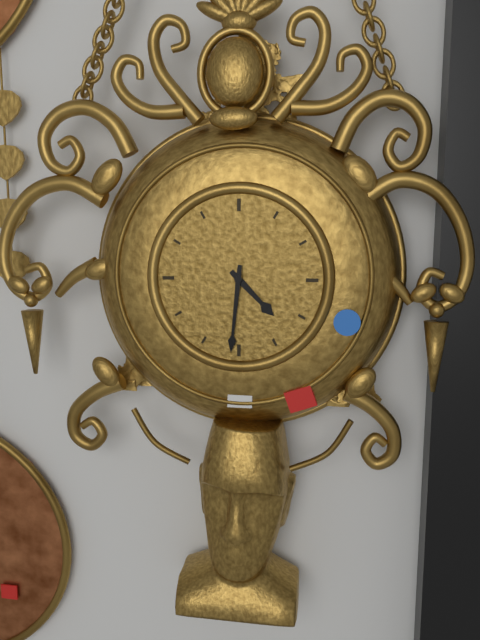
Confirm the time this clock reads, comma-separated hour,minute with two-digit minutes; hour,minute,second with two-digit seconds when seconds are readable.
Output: 4,31
